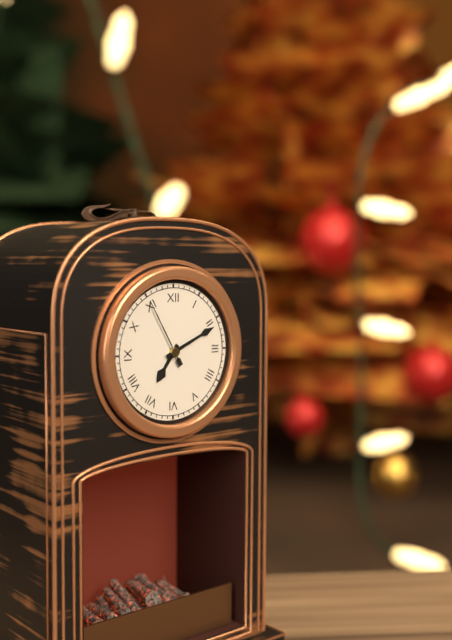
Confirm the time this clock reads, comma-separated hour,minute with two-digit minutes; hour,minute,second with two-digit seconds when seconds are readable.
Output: 7,11,55
